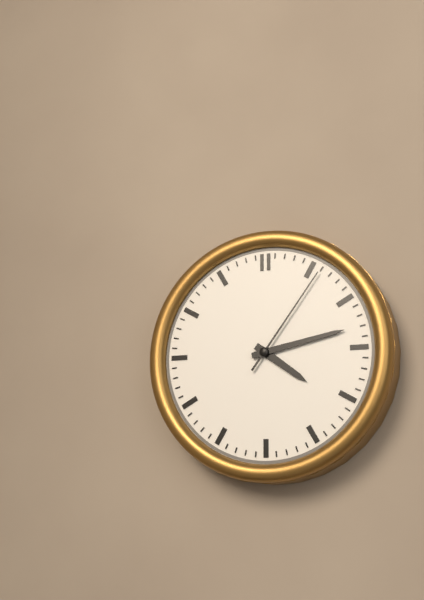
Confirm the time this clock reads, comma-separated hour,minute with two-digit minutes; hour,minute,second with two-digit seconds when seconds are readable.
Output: 4,13,06
